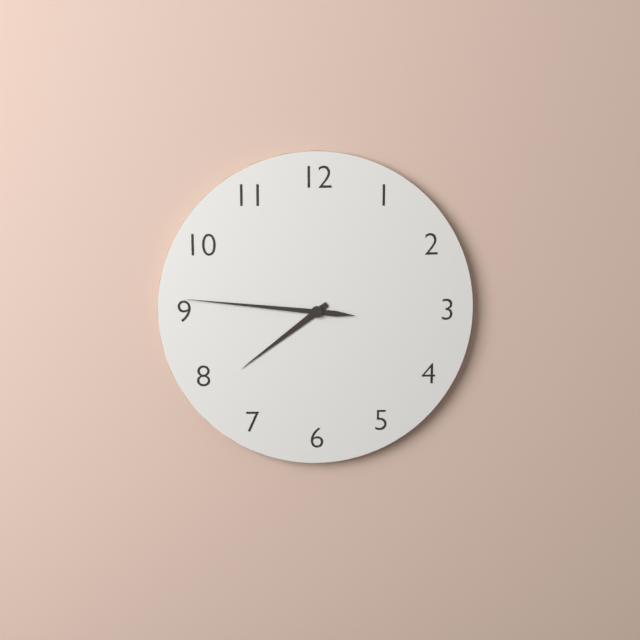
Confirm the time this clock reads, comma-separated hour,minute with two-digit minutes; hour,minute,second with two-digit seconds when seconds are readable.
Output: 7,46
